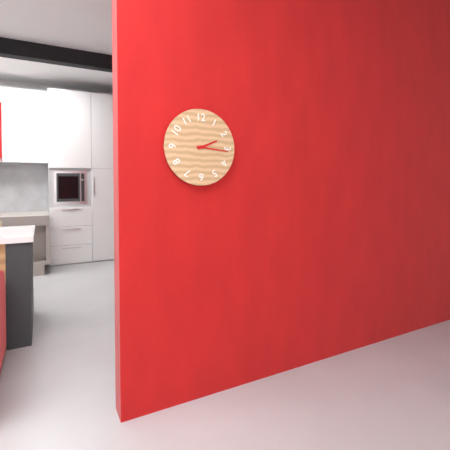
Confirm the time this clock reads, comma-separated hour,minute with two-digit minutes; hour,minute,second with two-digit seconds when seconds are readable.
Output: 2,16
